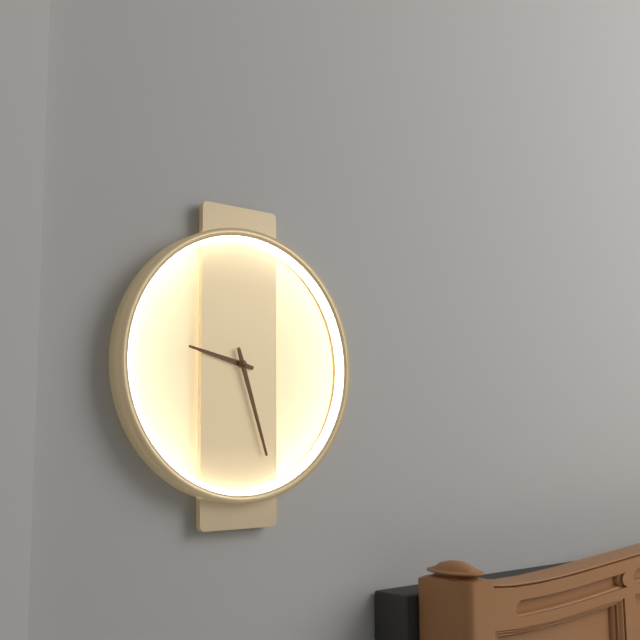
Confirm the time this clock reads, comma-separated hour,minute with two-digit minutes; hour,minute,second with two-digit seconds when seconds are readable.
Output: 9,27
